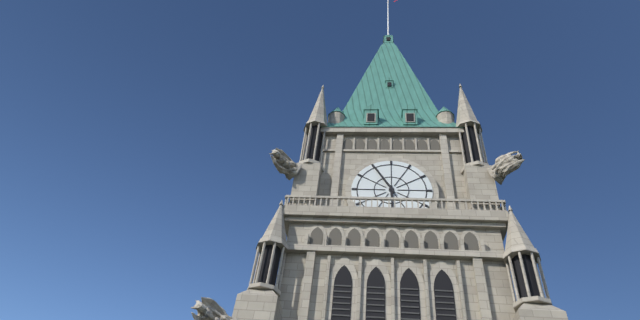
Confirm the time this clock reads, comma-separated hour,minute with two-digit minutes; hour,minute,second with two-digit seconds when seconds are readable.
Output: 5,55
